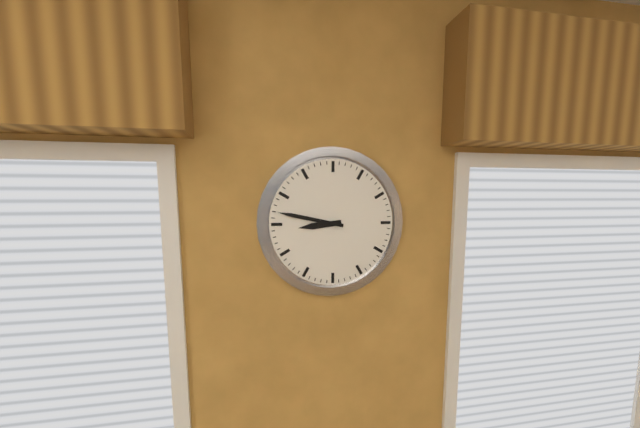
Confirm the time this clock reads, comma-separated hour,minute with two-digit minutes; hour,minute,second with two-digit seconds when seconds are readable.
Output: 8,47
